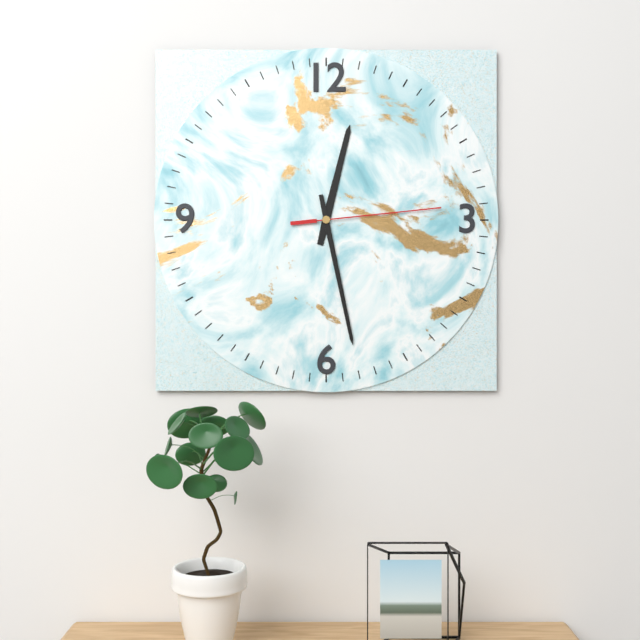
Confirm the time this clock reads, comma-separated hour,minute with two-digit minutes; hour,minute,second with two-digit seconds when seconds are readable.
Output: 12,28,14
